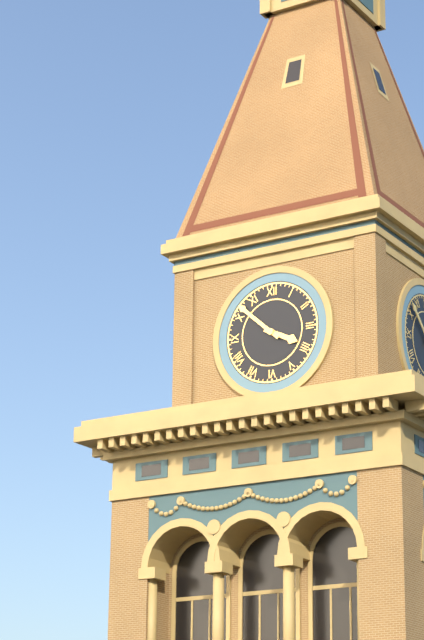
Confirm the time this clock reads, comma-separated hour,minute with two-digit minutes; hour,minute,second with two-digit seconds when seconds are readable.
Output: 3,52
